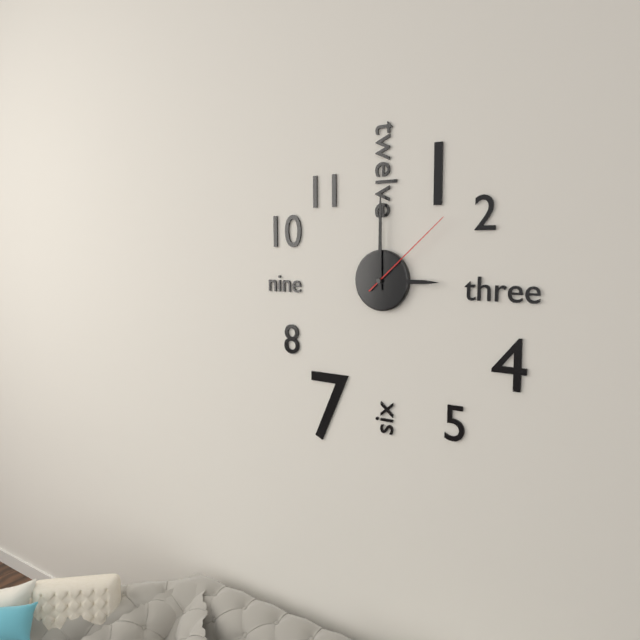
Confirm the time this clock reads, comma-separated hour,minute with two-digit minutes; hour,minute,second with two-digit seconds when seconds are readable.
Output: 3,00,08
